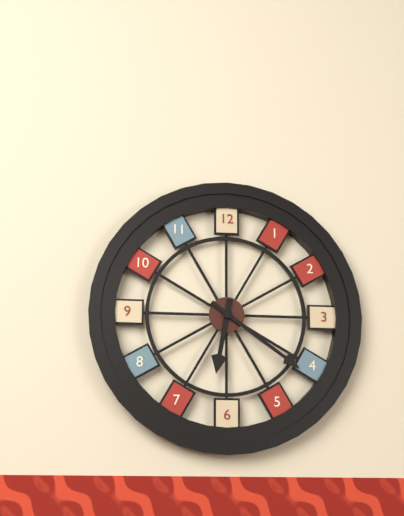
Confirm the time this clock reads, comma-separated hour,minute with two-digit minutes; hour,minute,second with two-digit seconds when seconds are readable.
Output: 6,21
